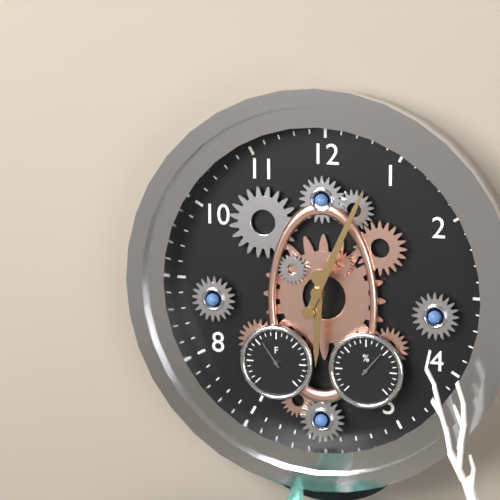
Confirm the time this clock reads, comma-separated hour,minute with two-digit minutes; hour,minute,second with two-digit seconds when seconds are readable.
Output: 6,04
